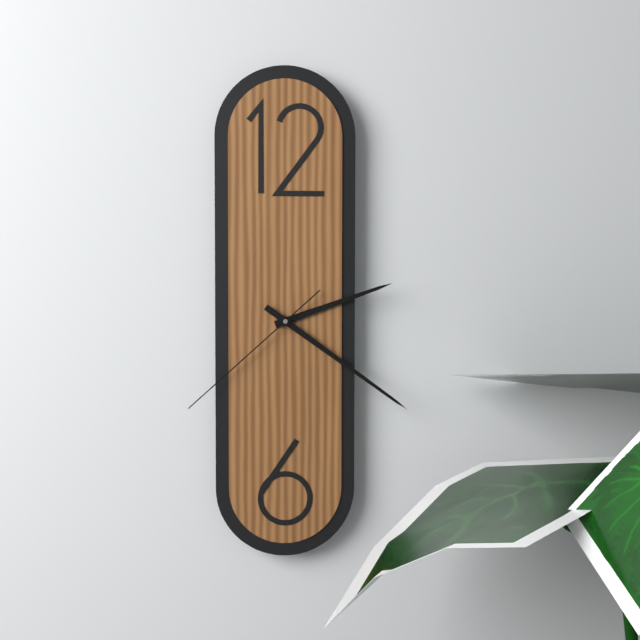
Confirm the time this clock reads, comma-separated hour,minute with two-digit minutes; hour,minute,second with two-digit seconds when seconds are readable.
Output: 2,21,38
